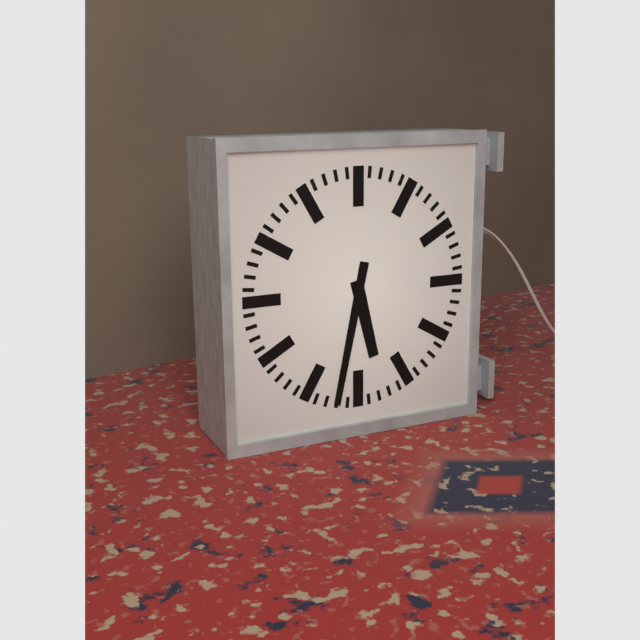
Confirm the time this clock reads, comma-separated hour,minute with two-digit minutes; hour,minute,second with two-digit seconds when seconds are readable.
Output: 5,32
